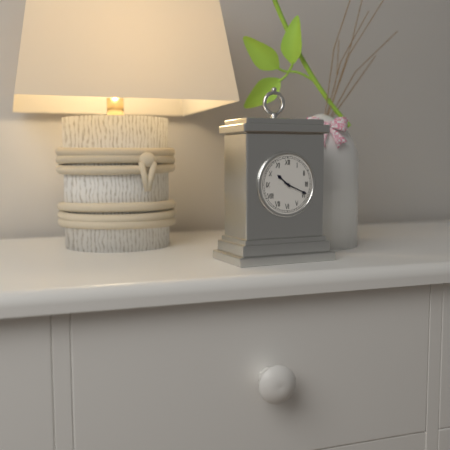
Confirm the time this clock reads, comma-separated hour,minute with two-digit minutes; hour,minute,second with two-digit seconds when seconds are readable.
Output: 10,19
